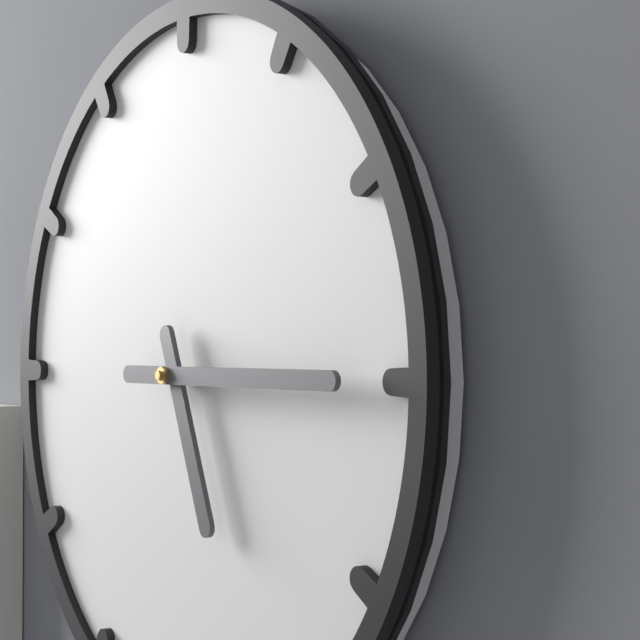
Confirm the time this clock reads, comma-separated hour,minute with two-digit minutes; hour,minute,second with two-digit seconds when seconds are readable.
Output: 5,15
